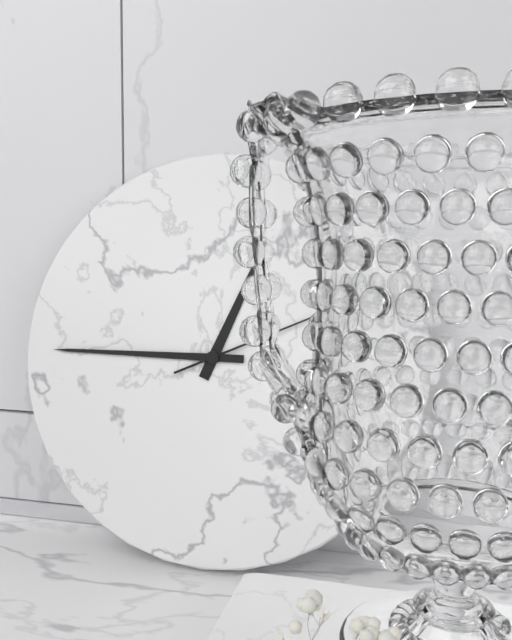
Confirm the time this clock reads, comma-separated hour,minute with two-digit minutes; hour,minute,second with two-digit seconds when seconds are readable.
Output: 12,45,11
